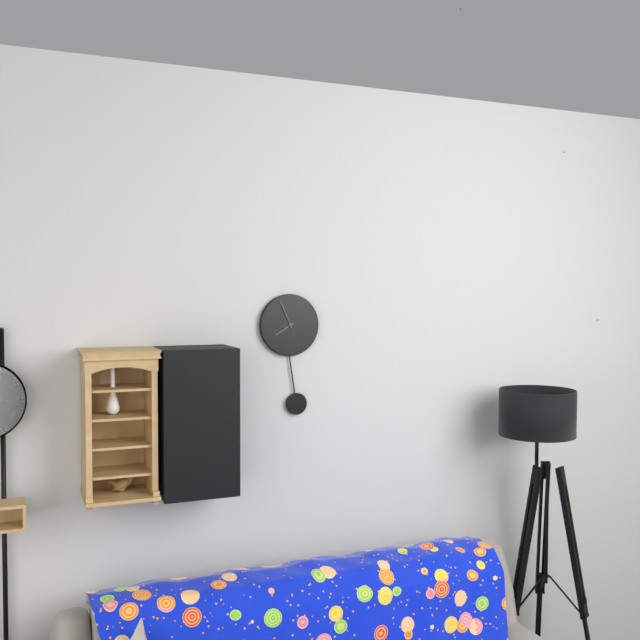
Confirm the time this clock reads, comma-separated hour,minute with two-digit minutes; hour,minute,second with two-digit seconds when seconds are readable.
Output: 7,56
